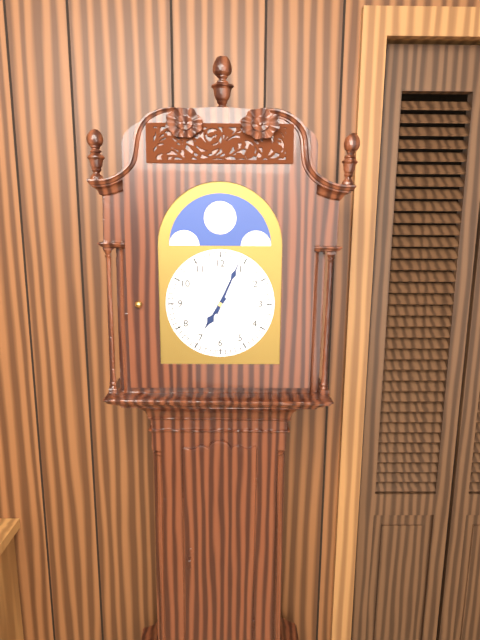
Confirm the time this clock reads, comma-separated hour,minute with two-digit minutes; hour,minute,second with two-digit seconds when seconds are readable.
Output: 7,04
